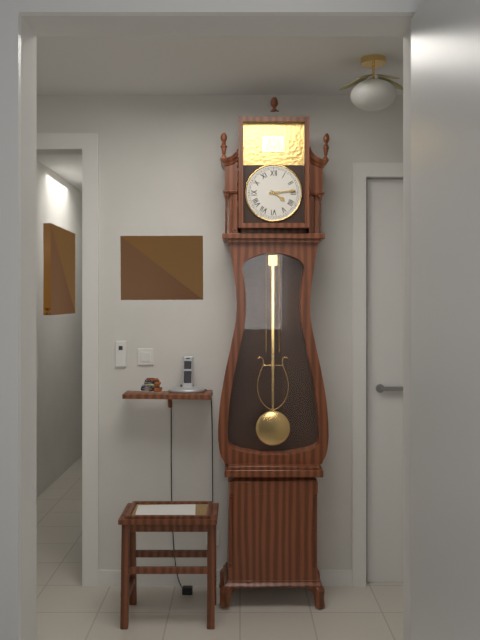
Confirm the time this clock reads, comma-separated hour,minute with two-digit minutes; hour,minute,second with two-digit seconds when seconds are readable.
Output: 4,14
